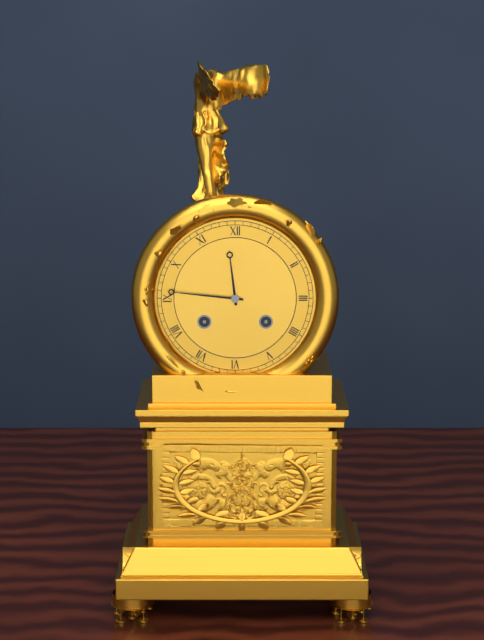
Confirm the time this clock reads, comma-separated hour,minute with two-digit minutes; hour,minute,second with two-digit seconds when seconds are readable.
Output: 11,46
